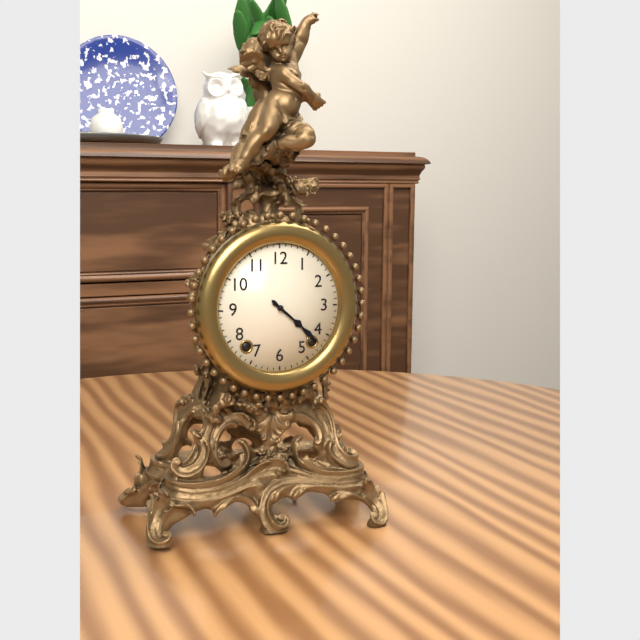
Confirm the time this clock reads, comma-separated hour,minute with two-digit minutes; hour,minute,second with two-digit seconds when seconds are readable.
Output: 4,22
